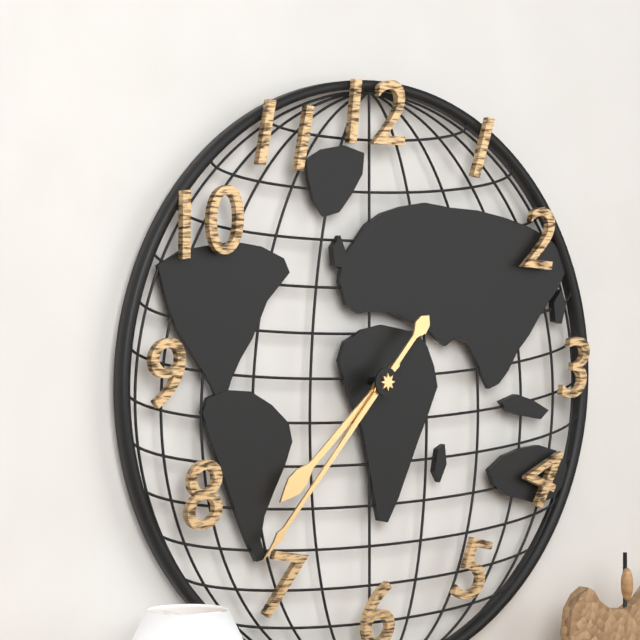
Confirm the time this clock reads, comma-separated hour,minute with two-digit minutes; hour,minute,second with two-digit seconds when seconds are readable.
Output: 7,37
